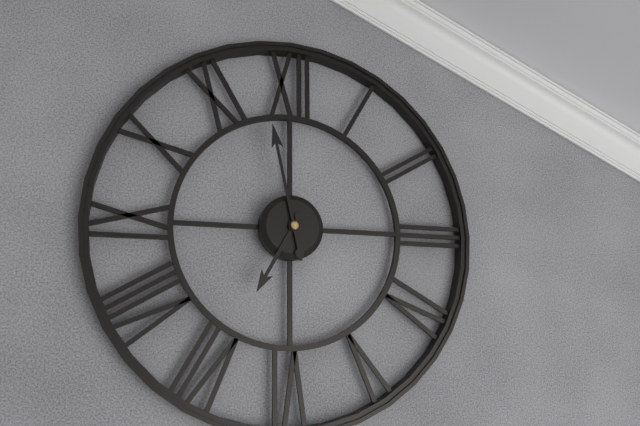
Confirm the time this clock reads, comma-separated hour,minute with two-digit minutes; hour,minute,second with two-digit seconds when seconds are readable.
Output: 6,58
